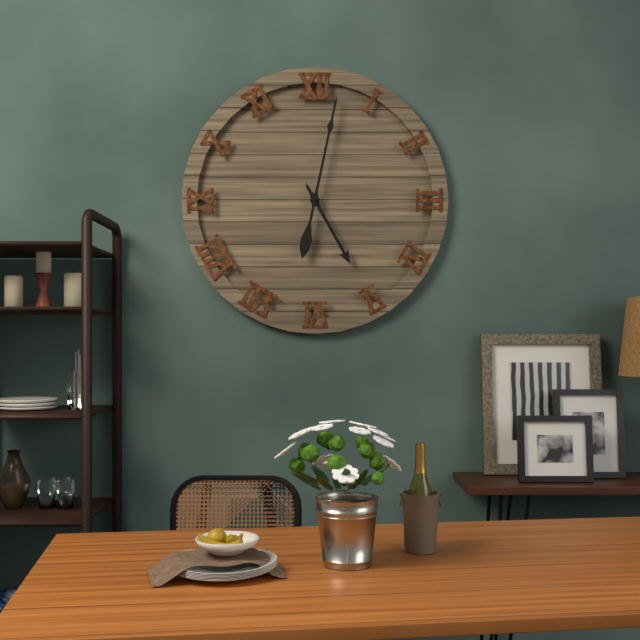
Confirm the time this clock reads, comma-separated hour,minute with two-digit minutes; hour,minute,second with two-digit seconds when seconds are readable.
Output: 5,02
